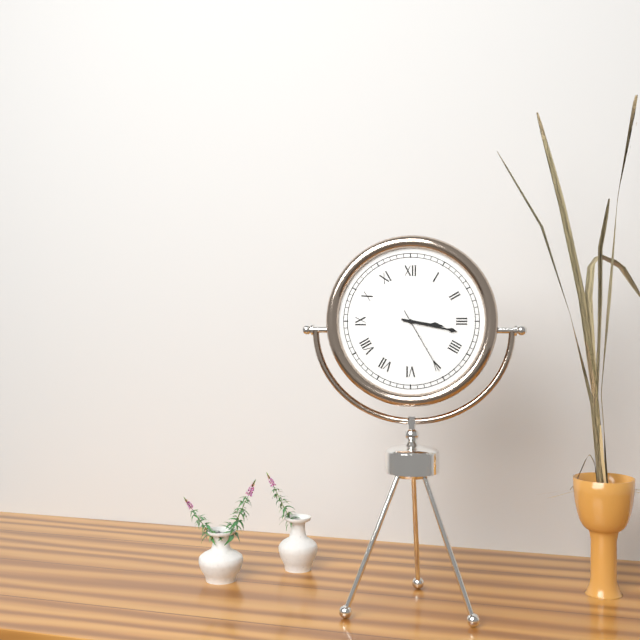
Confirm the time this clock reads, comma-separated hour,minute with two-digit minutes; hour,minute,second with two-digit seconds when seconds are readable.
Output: 3,17,25
